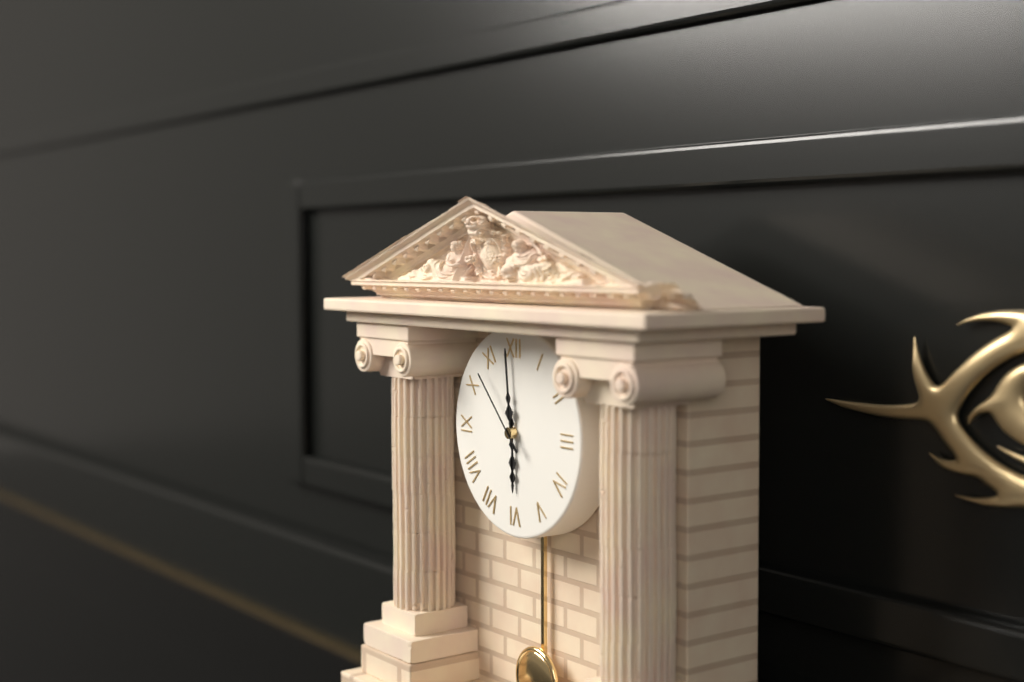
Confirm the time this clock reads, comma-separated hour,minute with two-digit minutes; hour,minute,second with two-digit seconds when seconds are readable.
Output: 5,59,53
